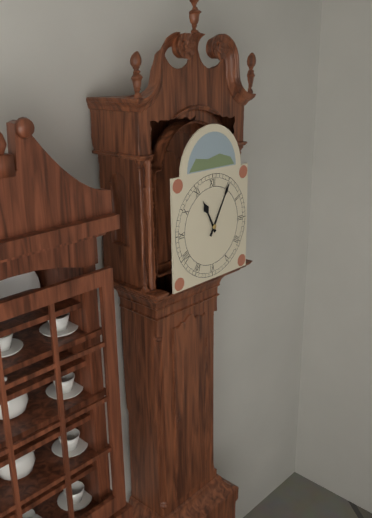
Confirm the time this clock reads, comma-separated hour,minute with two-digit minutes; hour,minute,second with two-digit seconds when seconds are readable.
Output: 11,05
